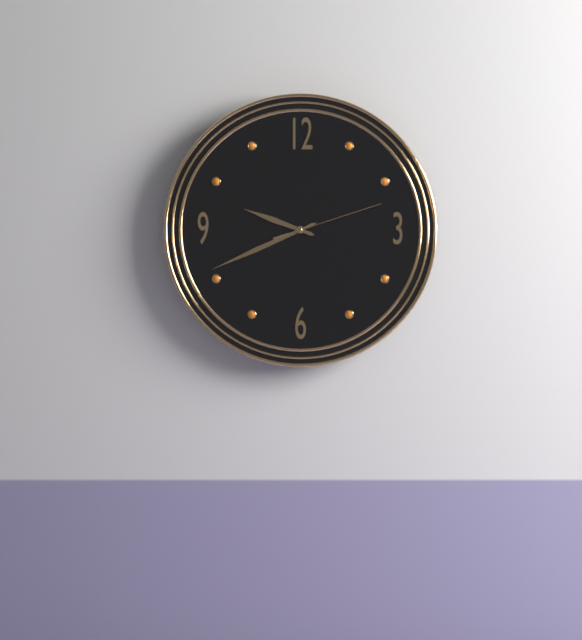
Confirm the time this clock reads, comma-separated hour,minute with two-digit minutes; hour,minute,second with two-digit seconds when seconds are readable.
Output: 9,41,12
